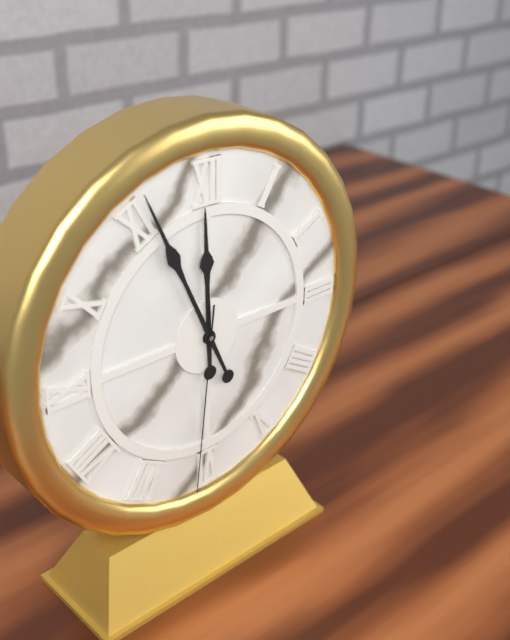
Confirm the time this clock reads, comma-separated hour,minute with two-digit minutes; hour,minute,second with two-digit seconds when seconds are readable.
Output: 11,56,31
